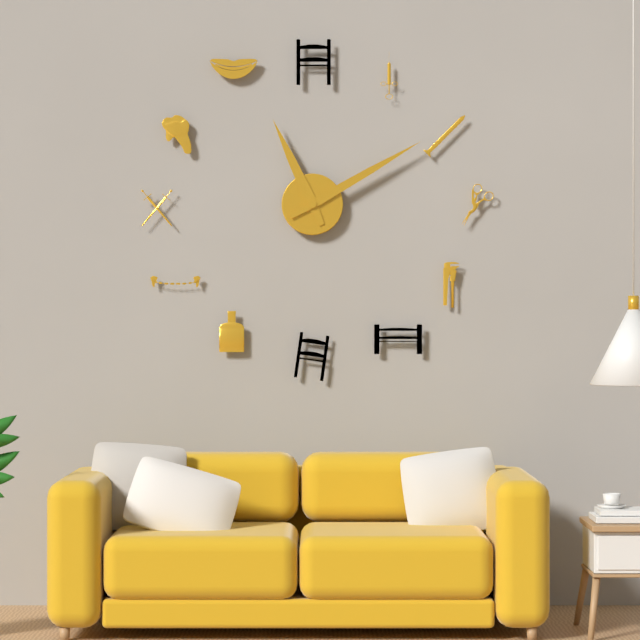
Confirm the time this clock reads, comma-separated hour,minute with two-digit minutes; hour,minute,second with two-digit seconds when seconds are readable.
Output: 11,10
